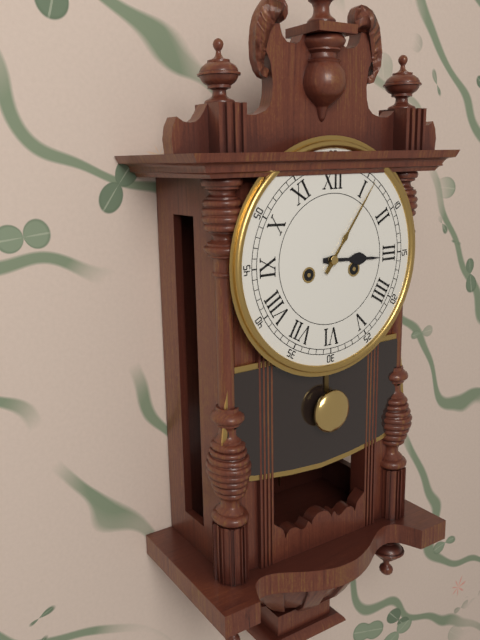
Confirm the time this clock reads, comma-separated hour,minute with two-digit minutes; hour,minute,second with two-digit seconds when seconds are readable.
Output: 3,06
